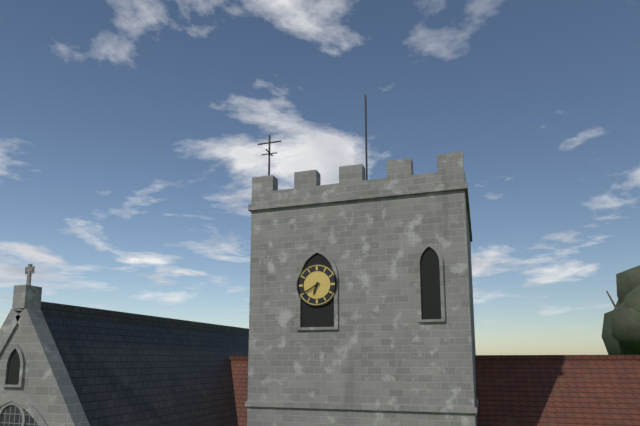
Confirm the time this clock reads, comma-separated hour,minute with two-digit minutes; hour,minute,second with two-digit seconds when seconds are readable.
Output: 6,40
